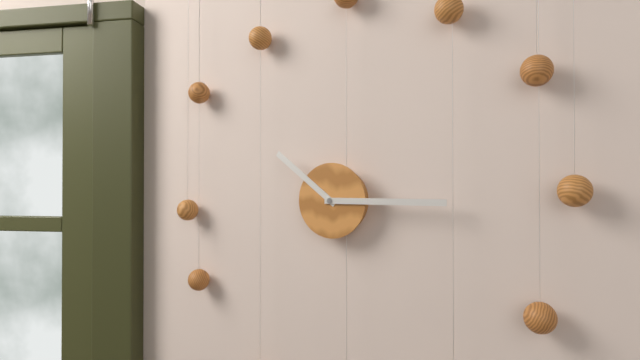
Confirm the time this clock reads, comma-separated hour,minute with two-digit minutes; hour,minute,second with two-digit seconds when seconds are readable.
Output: 10,15
